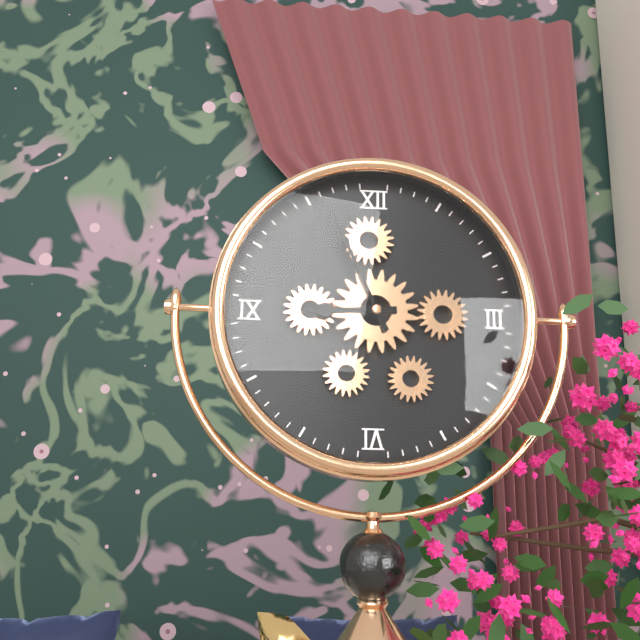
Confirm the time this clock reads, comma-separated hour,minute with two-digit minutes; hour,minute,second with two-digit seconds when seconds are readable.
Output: 8,56
